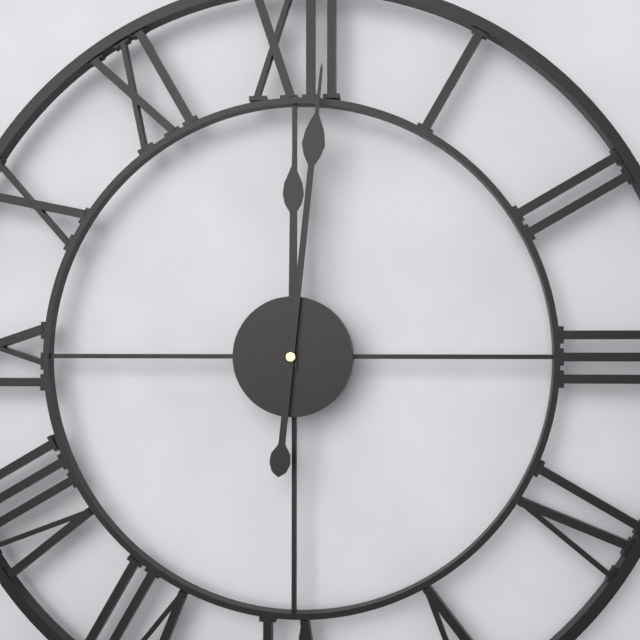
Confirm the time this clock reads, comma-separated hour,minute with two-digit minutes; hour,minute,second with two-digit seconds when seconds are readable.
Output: 12,01
